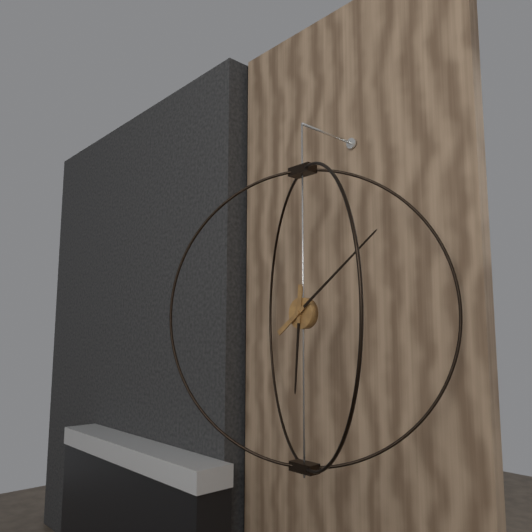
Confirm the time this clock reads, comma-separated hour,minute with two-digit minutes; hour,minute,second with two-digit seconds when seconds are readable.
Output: 6,09
